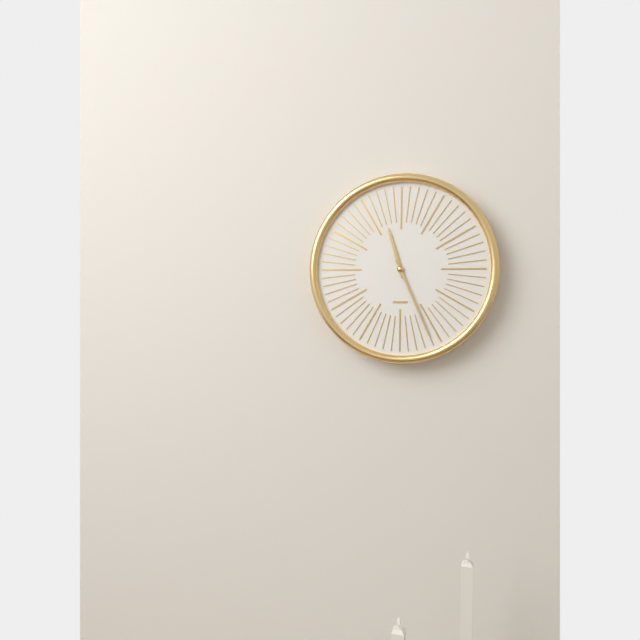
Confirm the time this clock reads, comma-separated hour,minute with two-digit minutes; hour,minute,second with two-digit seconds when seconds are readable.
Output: 11,26
